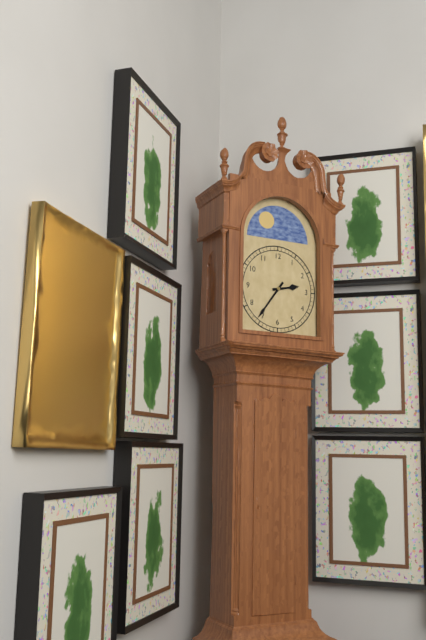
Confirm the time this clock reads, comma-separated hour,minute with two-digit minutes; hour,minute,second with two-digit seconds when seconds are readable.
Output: 2,36
